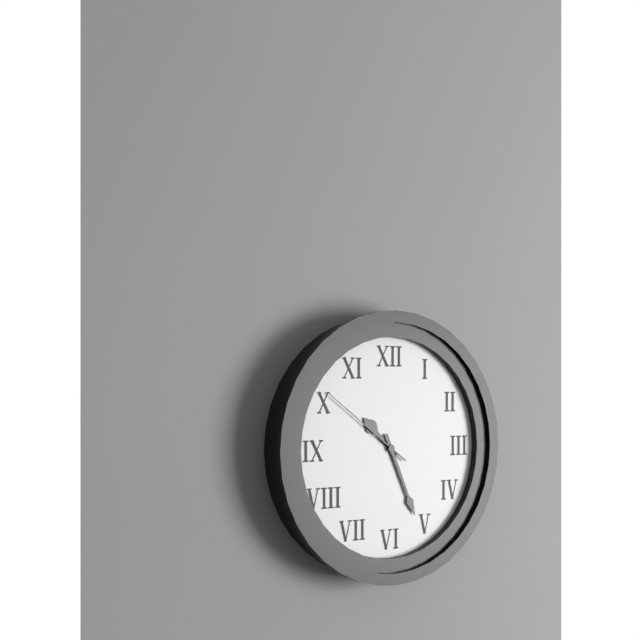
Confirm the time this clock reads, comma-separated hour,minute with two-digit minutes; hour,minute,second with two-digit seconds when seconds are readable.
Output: 10,26,51
